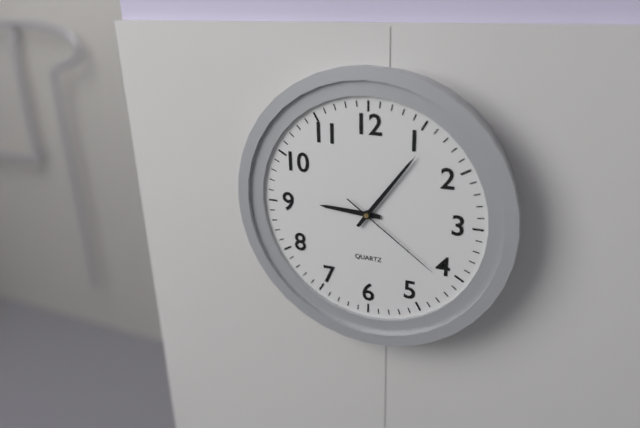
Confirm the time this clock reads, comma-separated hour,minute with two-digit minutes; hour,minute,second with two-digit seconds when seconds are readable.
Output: 9,06,21
